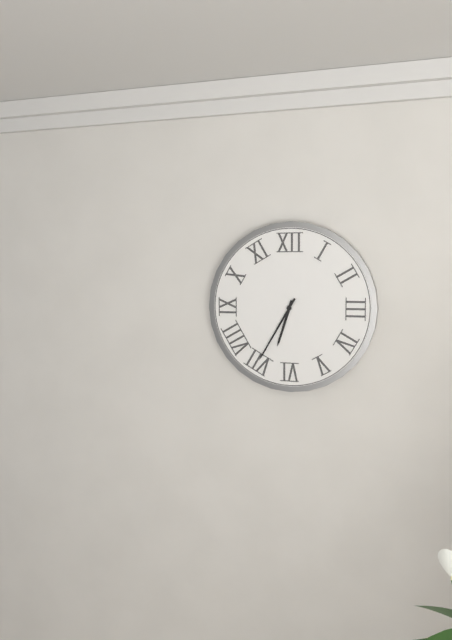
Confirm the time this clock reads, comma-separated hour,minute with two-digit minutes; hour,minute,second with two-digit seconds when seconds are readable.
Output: 6,35
